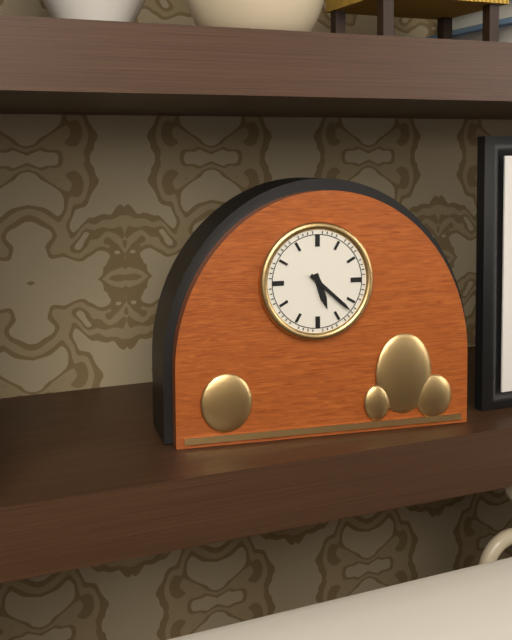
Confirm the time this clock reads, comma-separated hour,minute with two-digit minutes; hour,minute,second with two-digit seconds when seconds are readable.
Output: 5,22
